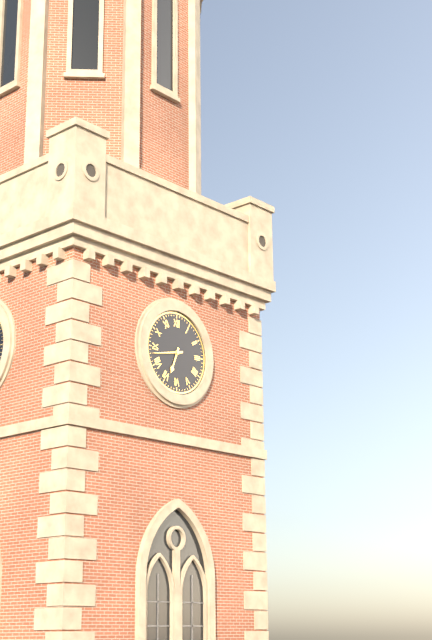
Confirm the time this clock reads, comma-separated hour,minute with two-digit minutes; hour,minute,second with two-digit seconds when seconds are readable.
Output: 6,43
